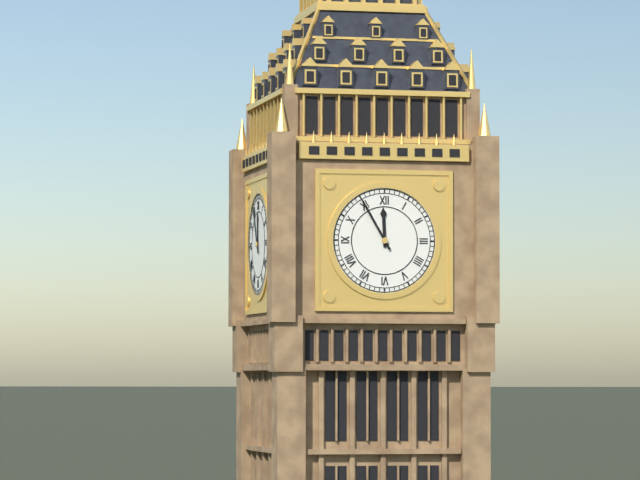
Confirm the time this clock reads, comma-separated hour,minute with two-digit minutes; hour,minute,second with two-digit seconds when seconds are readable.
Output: 11,55
